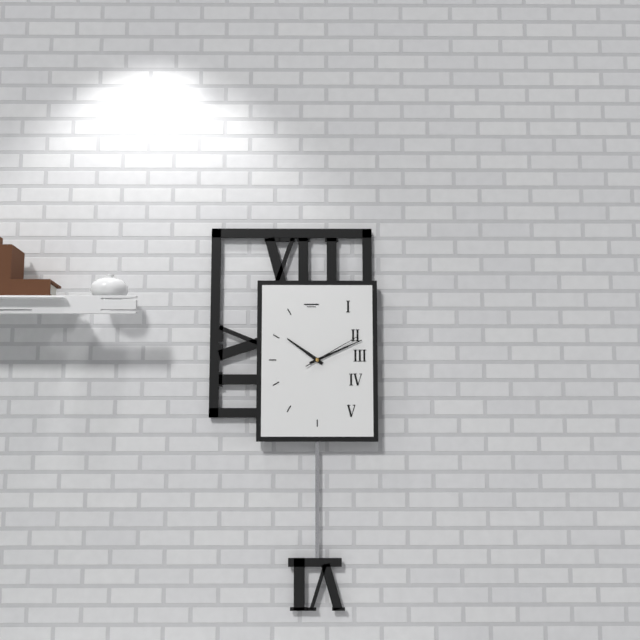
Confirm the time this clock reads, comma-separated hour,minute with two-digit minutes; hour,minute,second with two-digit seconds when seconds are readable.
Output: 10,11,10
